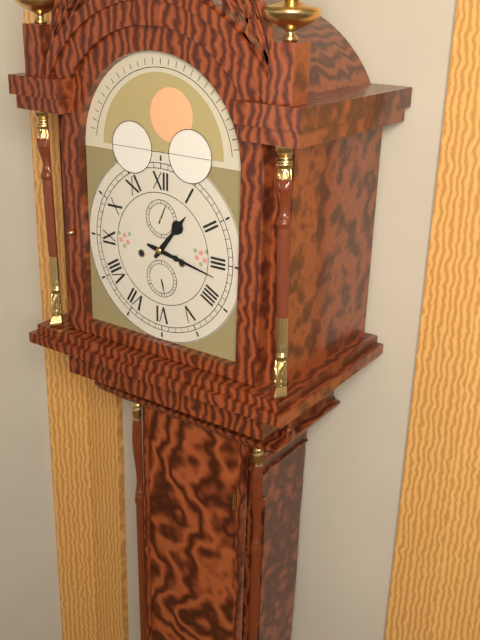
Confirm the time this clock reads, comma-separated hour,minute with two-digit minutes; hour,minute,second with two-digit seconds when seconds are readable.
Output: 1,17
